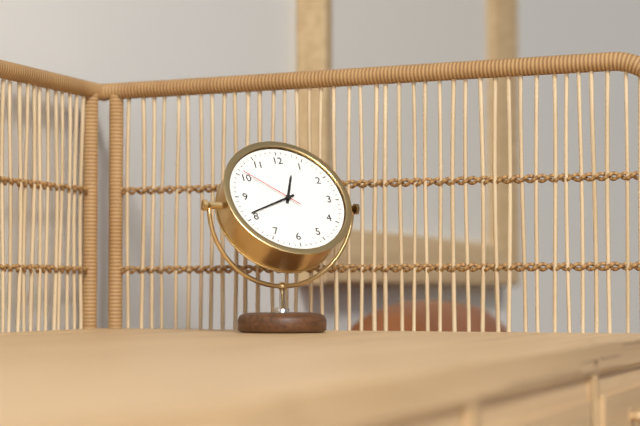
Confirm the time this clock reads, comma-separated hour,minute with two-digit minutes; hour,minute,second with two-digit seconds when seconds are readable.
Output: 12,41,51
